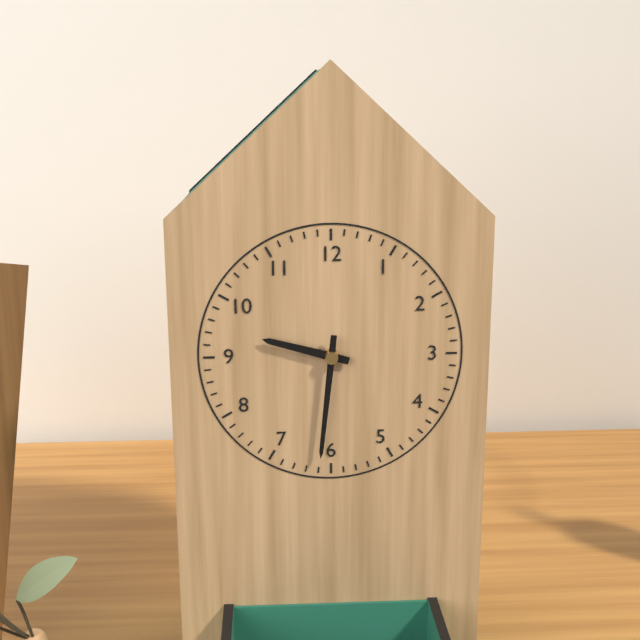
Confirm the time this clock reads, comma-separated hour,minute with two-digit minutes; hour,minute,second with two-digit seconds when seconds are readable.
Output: 9,31
